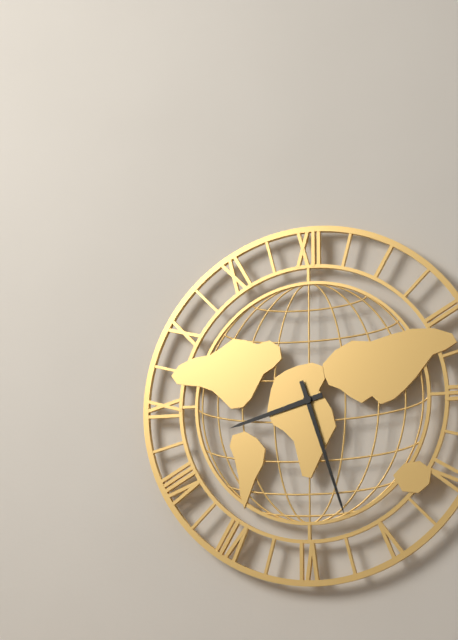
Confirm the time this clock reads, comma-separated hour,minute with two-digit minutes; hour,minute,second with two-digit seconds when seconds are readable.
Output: 8,27
